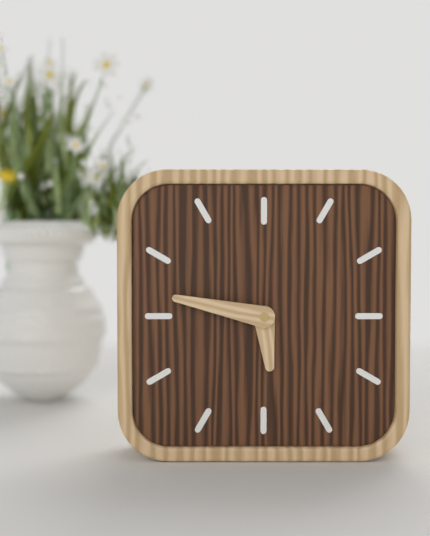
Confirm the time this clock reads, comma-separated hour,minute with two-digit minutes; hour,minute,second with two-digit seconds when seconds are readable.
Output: 5,47
